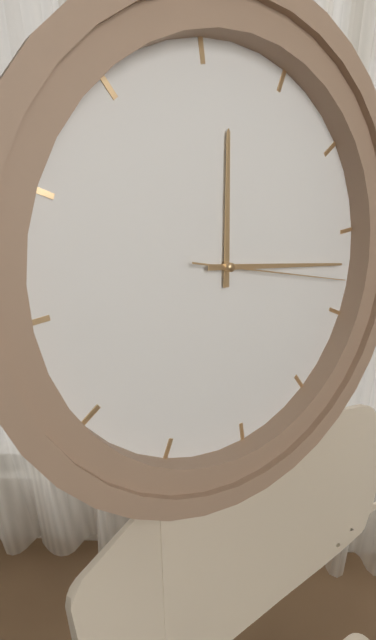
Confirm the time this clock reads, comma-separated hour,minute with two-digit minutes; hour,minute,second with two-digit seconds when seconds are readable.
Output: 12,17,18
